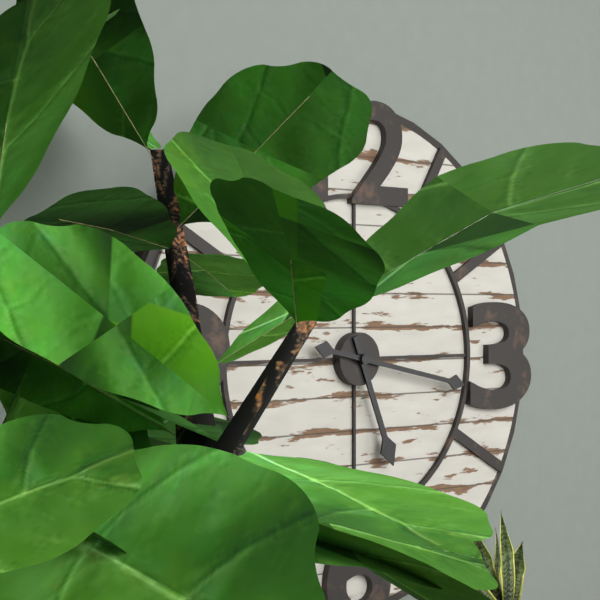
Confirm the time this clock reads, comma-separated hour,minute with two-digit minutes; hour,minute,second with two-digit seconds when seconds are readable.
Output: 5,17
